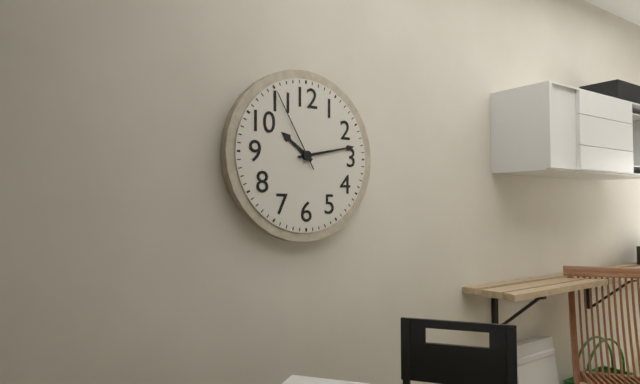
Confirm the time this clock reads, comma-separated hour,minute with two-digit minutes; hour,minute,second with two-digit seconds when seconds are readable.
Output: 10,13,55
